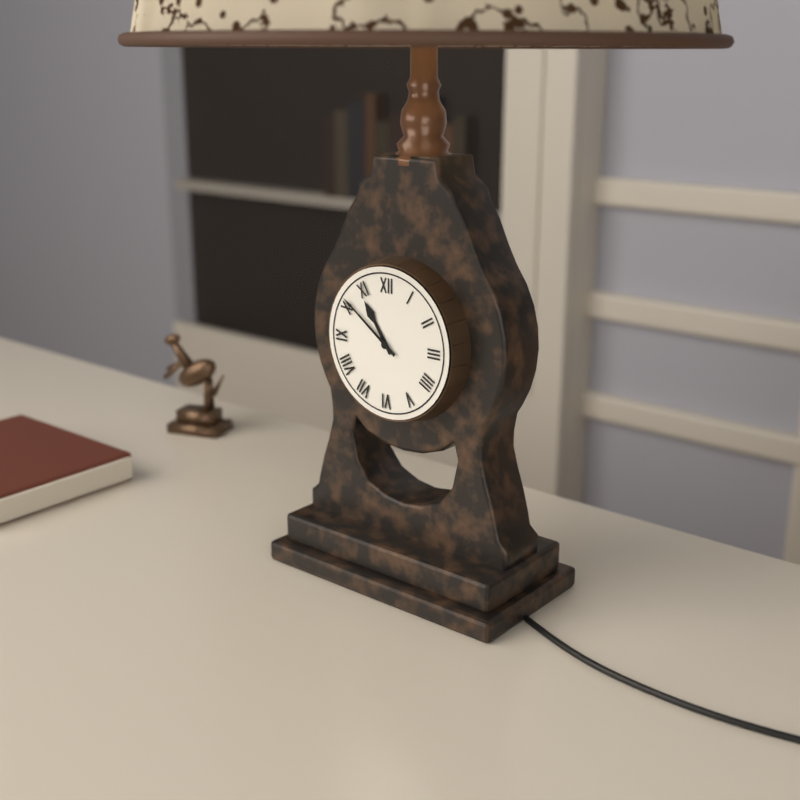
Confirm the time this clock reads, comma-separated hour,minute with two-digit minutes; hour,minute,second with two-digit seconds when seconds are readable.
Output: 10,51
